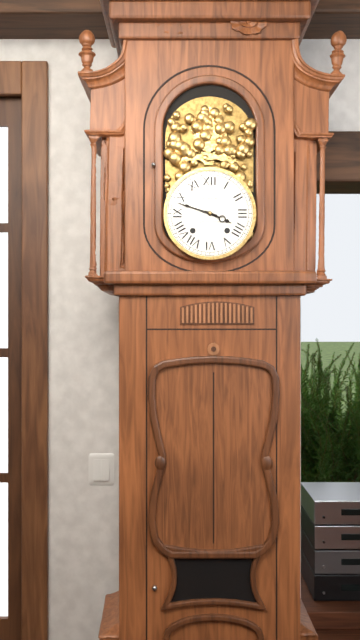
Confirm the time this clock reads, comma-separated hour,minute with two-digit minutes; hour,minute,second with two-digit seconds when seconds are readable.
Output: 3,48
